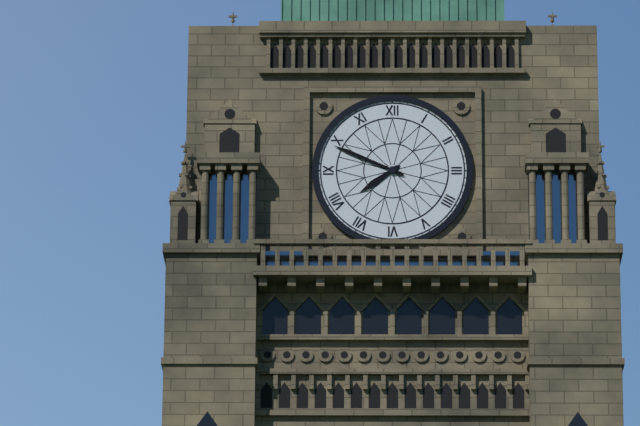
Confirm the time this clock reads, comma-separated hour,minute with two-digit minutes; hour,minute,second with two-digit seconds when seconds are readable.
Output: 7,49
